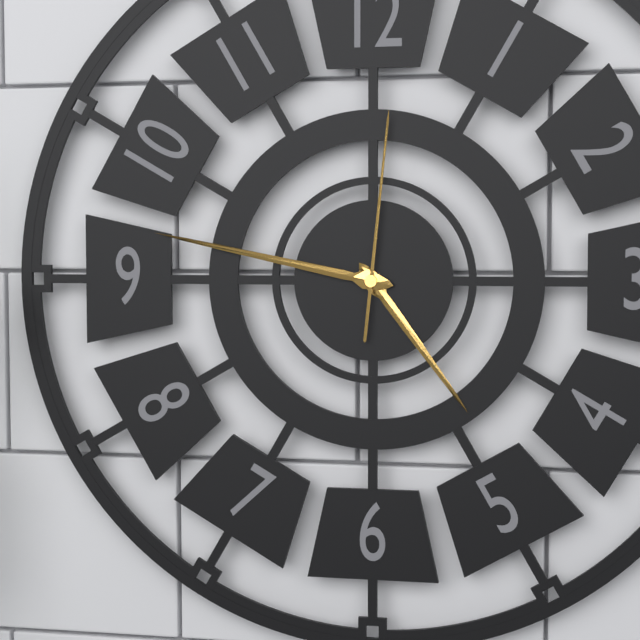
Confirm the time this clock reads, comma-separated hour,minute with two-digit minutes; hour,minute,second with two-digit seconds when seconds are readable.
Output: 4,47,01
